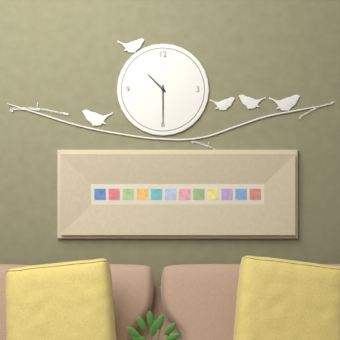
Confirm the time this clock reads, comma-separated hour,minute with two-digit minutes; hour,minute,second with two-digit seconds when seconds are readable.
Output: 10,30
